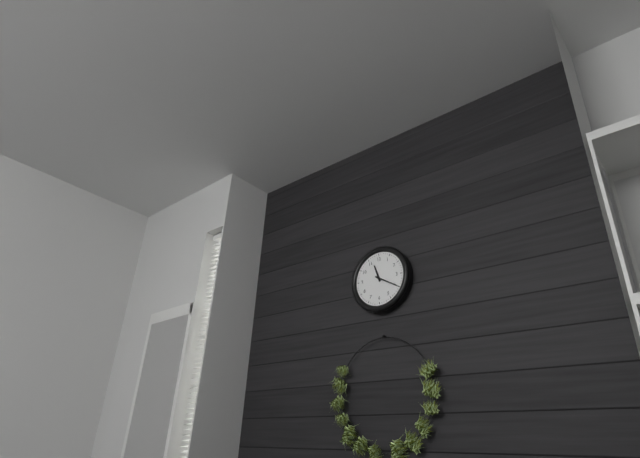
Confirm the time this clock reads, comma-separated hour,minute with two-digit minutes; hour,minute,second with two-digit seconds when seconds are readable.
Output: 11,20
